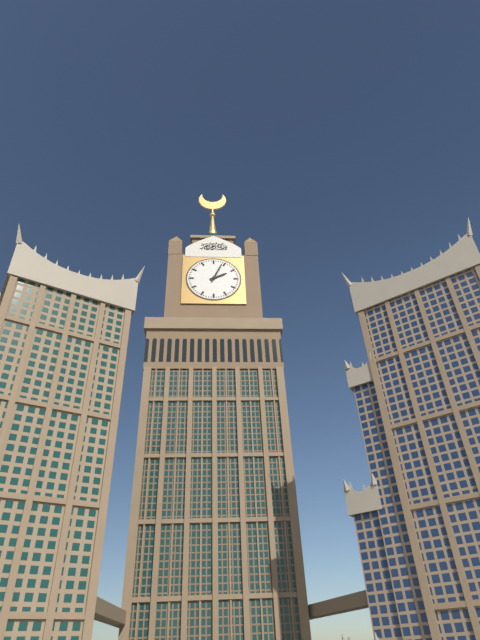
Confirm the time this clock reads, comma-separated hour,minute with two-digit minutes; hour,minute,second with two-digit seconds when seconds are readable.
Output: 2,04
